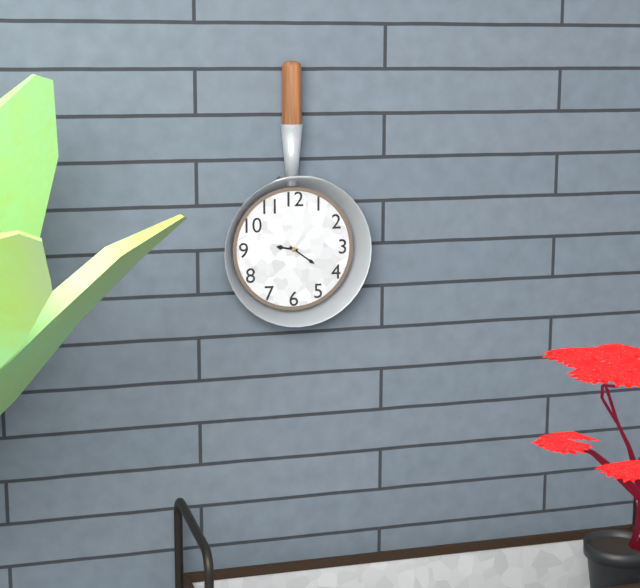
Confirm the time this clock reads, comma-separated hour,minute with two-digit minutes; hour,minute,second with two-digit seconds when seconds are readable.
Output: 9,21
